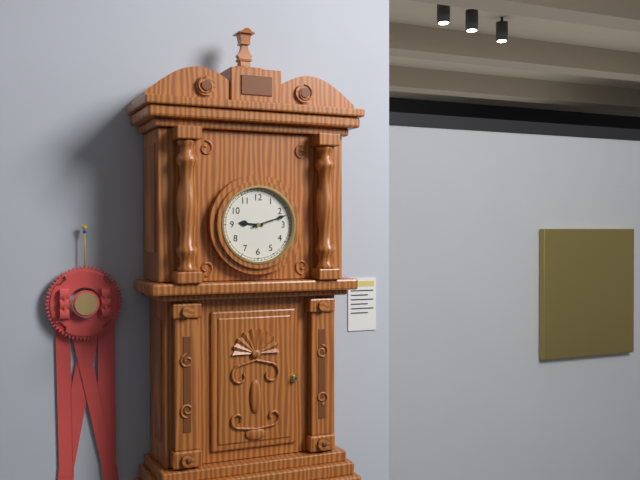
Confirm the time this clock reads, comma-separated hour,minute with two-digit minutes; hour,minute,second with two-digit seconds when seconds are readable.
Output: 9,12
